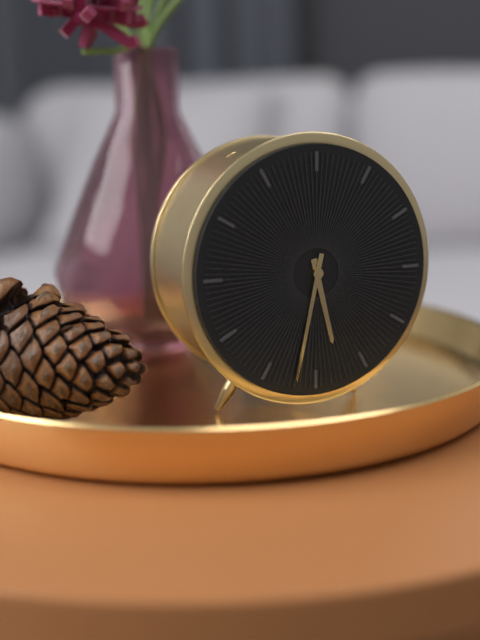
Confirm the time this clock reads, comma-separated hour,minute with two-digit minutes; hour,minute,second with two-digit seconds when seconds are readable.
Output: 5,32
